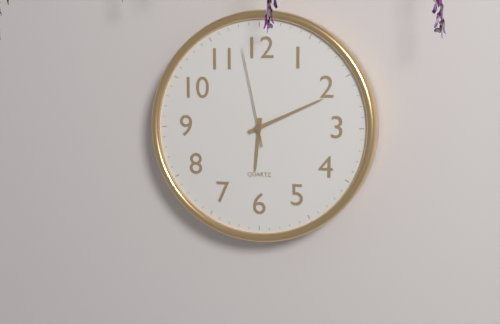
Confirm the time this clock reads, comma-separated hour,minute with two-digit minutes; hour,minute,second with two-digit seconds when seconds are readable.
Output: 6,11,58
